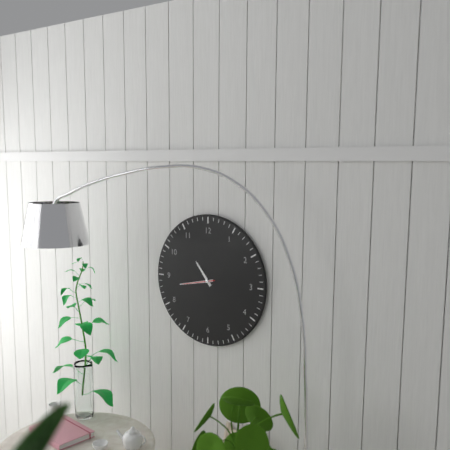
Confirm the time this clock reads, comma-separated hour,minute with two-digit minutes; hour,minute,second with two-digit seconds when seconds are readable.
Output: 10,43
